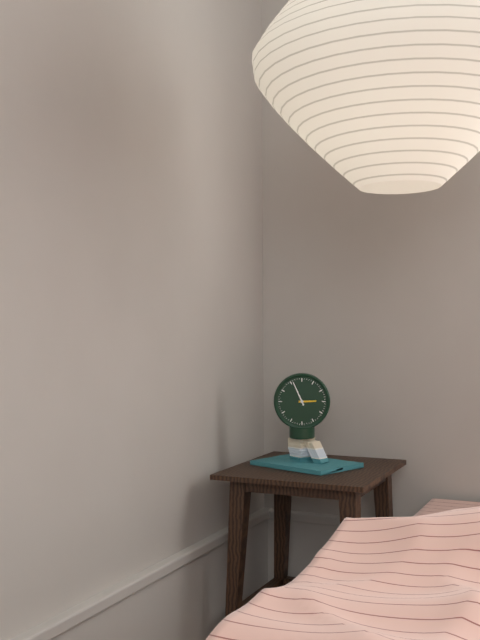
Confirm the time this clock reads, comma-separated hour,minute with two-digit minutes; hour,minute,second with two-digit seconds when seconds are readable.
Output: 2,56
